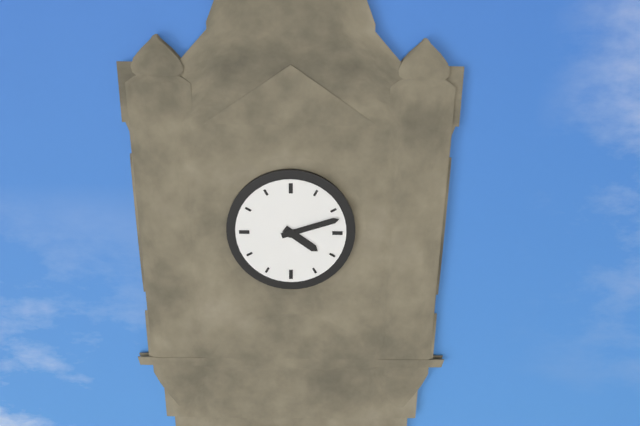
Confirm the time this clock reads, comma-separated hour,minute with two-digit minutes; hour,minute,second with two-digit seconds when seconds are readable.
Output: 4,12
